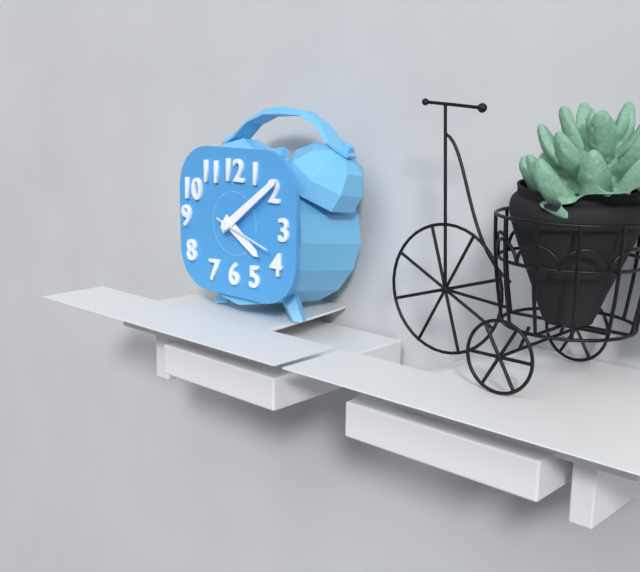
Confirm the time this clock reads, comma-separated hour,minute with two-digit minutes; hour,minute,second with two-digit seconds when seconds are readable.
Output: 4,09,18
